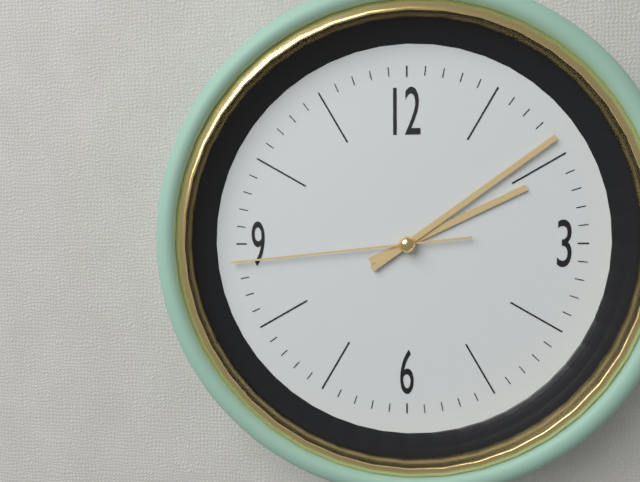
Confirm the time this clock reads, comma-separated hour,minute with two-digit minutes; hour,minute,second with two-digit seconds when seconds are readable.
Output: 2,09,44
